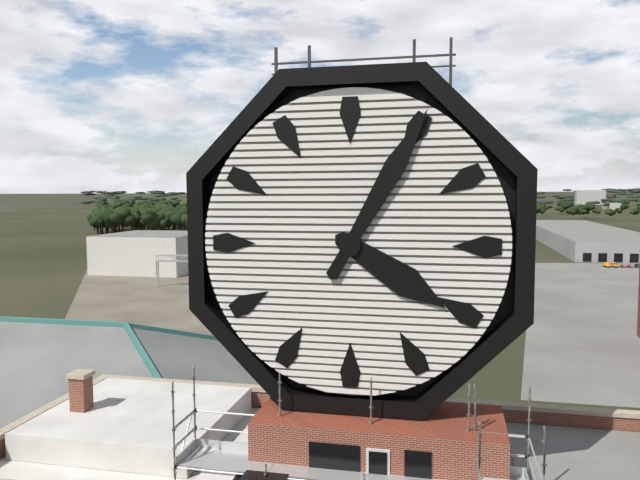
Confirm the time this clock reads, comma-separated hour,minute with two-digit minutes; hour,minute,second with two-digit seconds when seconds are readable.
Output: 4,05
